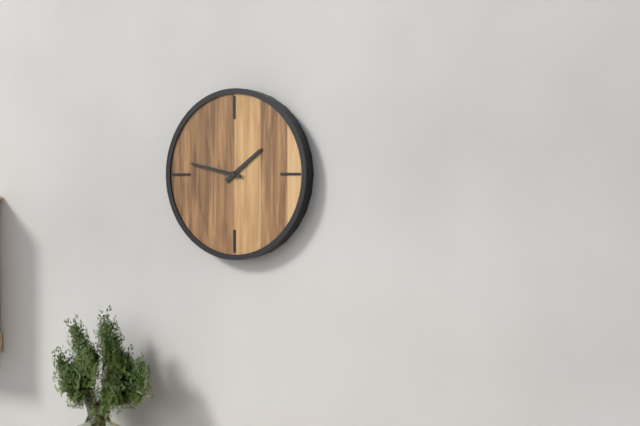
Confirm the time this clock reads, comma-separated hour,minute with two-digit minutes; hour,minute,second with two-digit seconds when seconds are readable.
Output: 1,47
